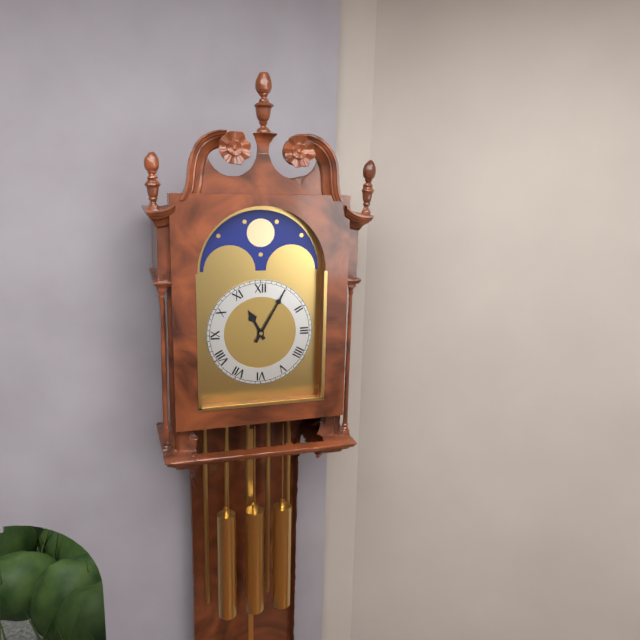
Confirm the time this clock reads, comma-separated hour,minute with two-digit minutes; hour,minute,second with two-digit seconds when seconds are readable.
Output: 11,05
